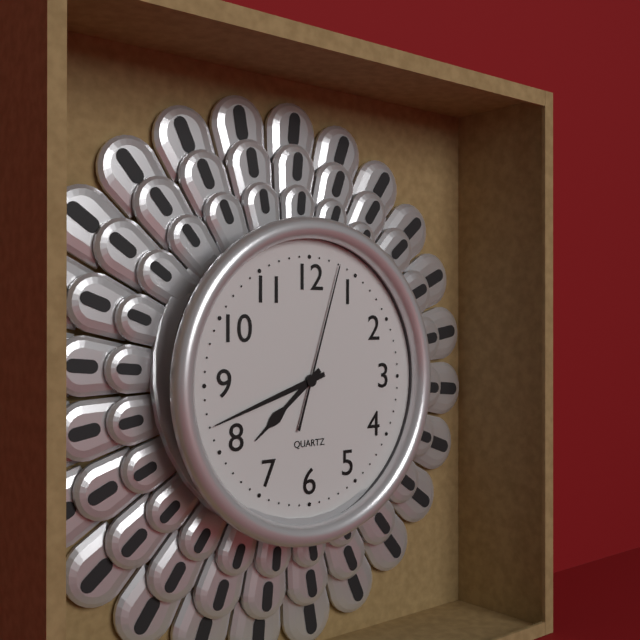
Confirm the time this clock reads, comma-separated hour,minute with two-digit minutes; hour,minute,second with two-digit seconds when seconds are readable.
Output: 7,42,03
